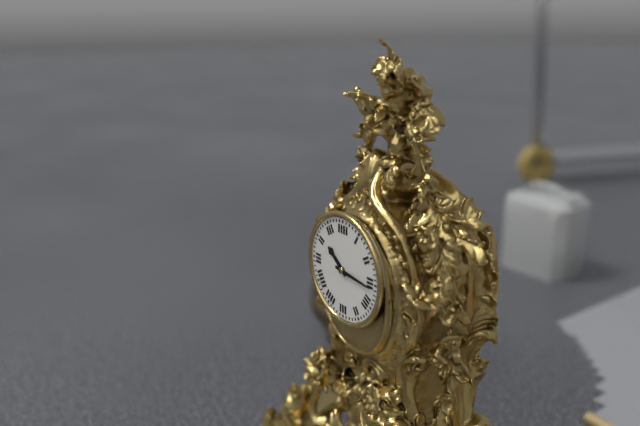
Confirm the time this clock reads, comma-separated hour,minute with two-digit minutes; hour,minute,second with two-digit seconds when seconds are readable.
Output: 10,16
